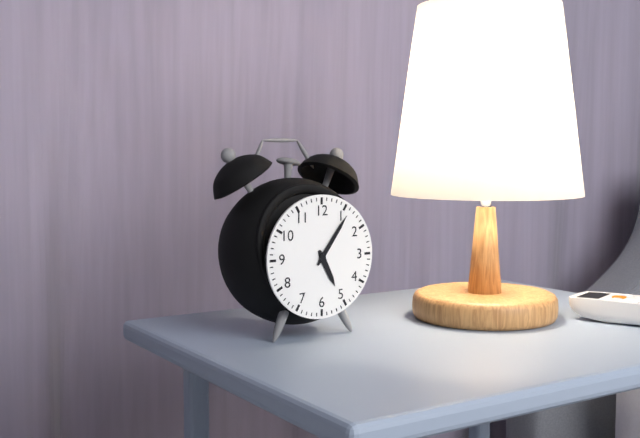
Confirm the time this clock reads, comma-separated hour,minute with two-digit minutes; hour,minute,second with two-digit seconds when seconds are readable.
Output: 5,06
